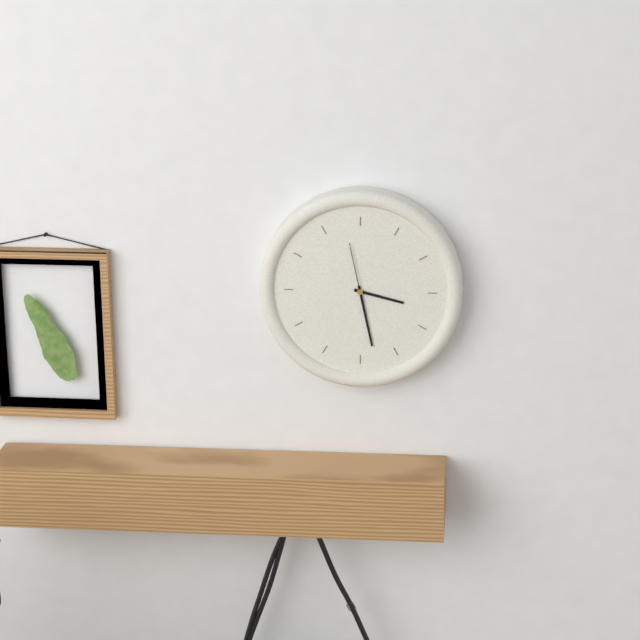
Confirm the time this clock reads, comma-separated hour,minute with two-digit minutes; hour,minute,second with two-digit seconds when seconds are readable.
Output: 3,28,58
